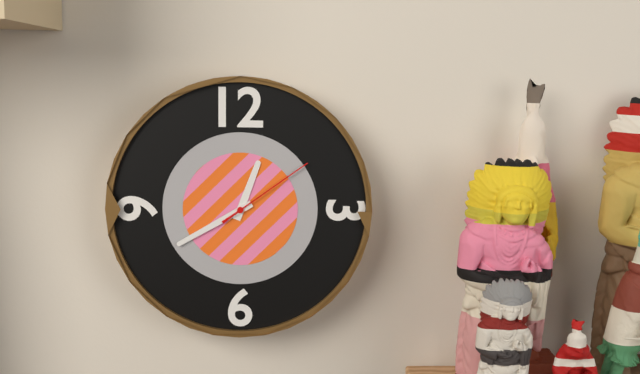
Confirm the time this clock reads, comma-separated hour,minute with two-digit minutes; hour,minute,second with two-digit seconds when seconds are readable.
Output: 12,40,09
